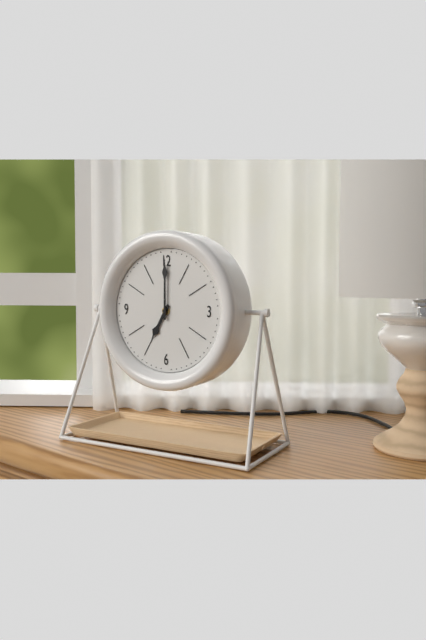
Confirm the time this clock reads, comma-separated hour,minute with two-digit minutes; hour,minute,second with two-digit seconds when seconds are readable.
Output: 7,00
